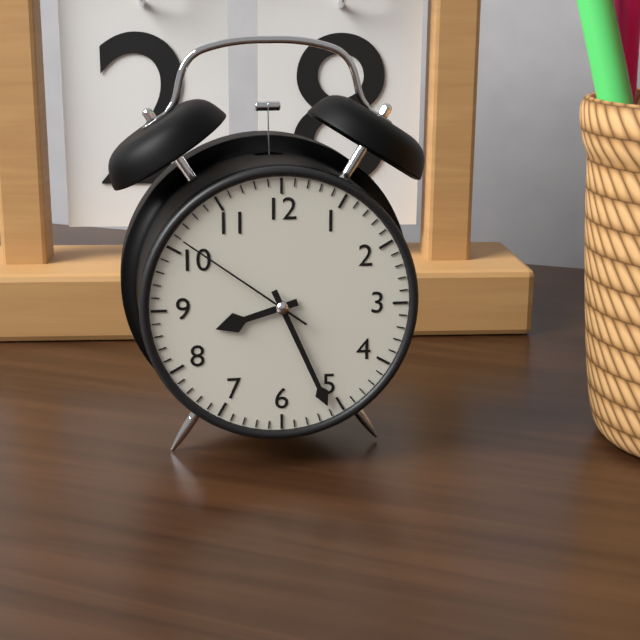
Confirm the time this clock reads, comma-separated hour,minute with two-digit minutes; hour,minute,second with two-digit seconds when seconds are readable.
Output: 8,26,51
